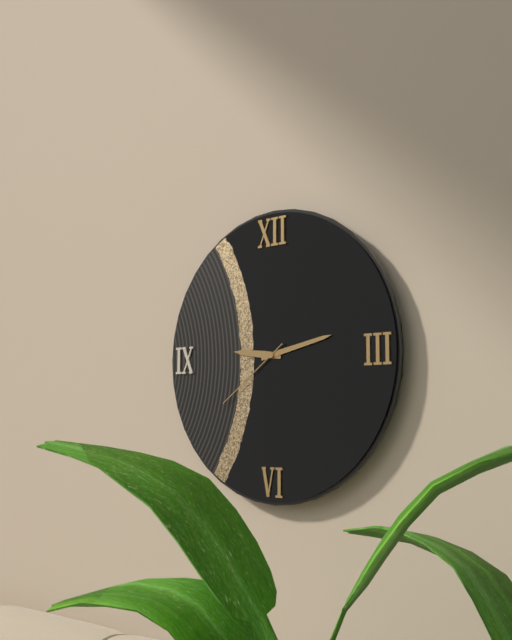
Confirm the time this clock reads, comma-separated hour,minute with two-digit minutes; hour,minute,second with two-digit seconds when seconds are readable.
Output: 9,13,39
